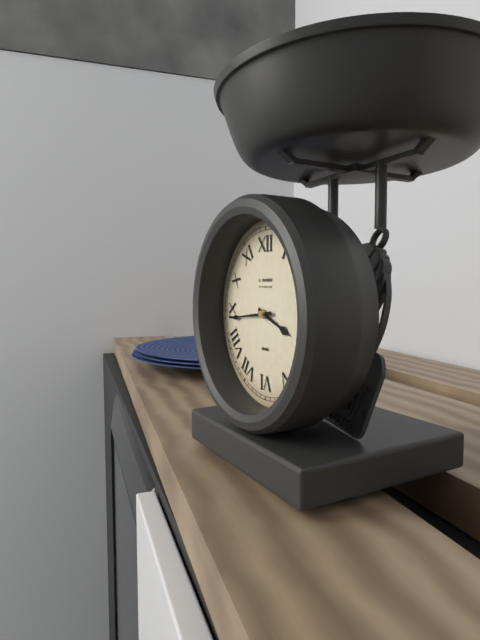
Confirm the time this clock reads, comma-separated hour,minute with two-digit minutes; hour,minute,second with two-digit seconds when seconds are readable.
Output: 3,44
